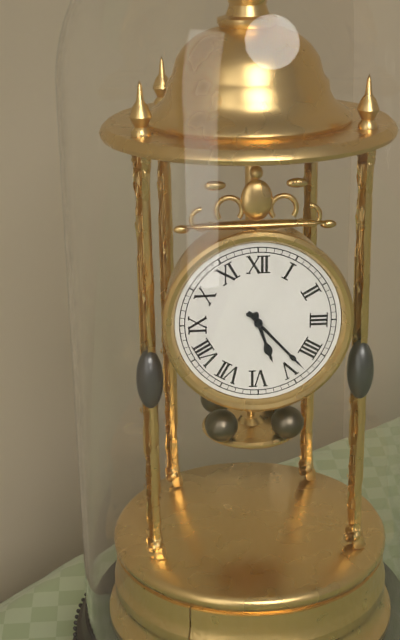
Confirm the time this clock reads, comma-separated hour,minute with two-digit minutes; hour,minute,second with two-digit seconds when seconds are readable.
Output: 5,23
